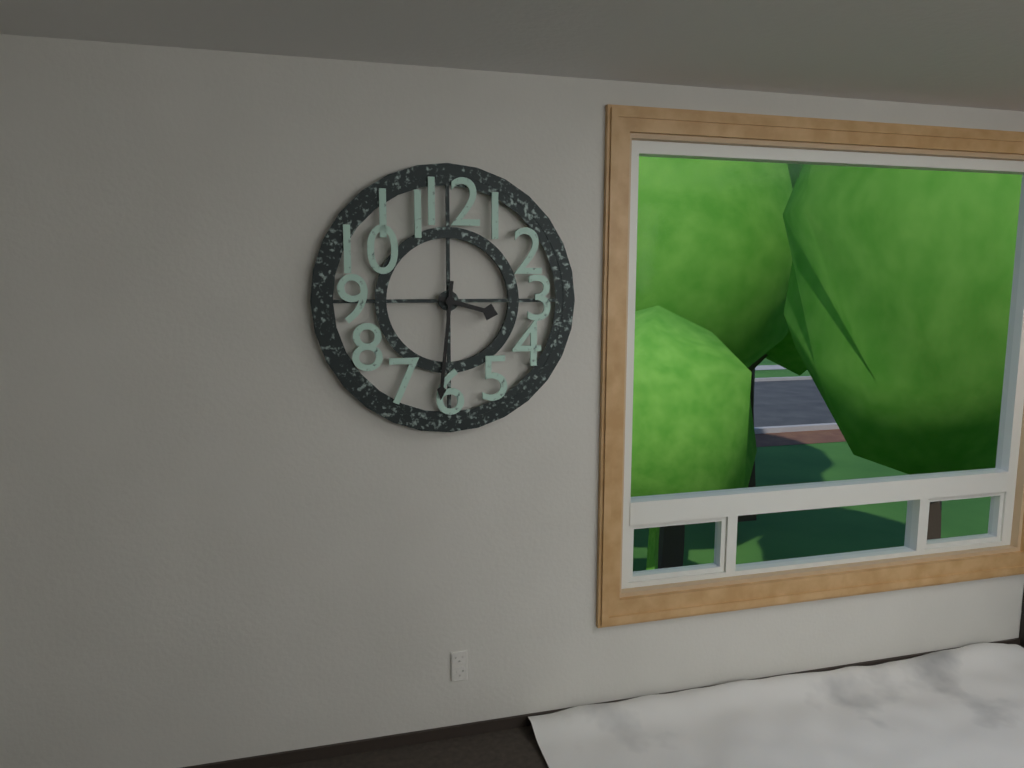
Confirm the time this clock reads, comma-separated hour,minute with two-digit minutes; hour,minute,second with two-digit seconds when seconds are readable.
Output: 3,31
